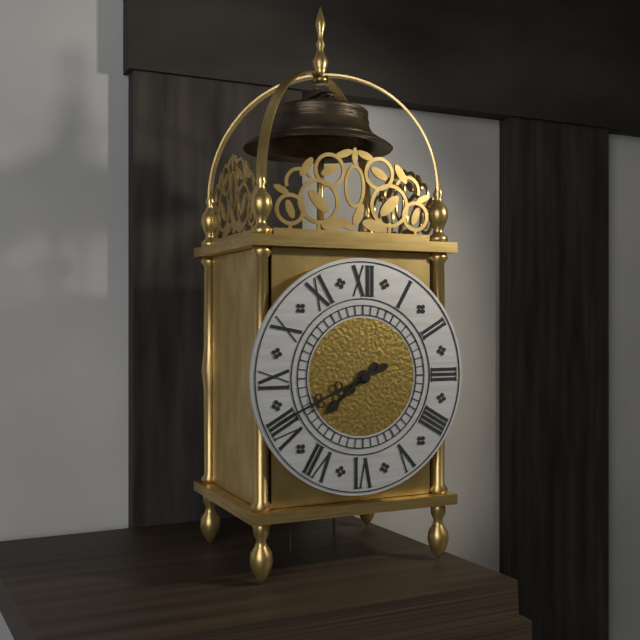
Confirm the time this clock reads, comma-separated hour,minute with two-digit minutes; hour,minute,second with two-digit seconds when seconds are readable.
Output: 7,41
